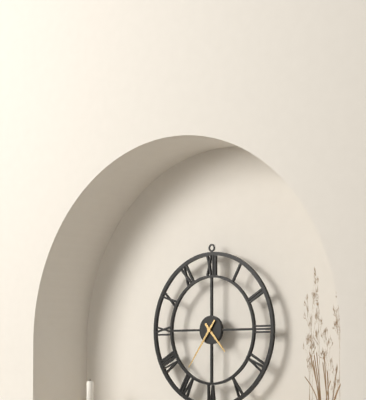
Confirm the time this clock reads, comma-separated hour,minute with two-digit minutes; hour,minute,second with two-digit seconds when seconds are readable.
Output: 4,36
